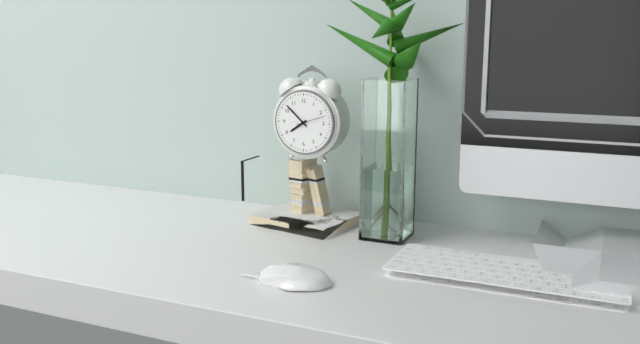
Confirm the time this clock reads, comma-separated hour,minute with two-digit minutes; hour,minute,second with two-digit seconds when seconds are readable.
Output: 7,52
